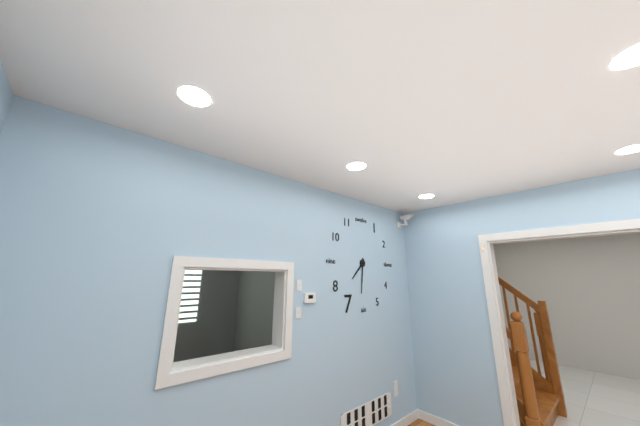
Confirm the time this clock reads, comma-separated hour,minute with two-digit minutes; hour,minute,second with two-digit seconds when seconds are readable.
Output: 7,31
